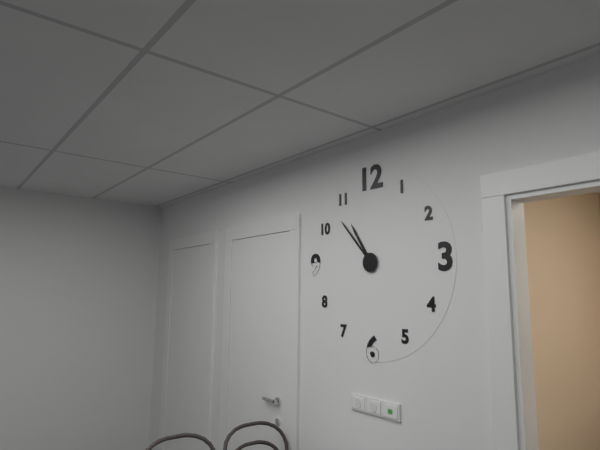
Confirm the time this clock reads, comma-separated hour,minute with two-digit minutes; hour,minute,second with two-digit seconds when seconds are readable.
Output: 10,53
